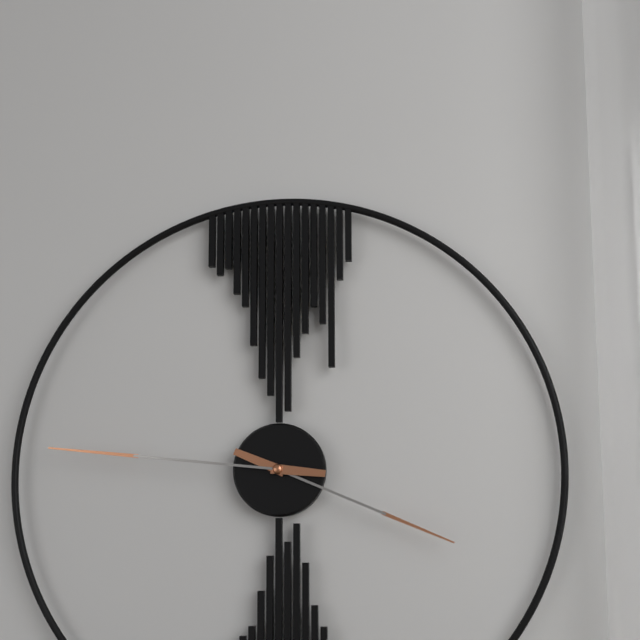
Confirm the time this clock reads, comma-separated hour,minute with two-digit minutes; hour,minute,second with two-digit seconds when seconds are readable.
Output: 3,46
